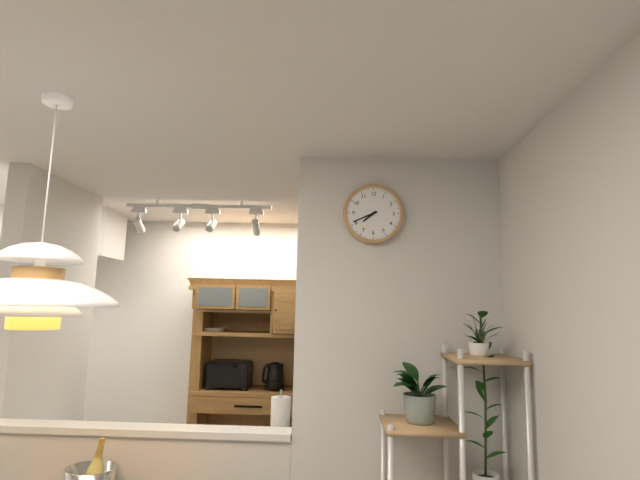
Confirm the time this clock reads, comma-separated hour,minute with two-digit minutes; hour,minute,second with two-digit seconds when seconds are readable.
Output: 7,41
